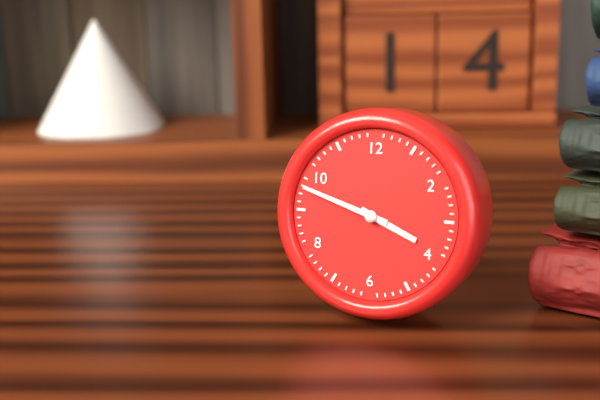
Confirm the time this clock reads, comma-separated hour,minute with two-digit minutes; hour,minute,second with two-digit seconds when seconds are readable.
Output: 3,48
